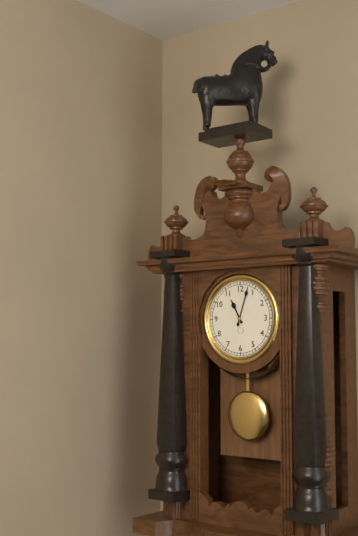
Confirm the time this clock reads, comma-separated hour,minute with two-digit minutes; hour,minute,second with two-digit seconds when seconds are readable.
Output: 11,03
